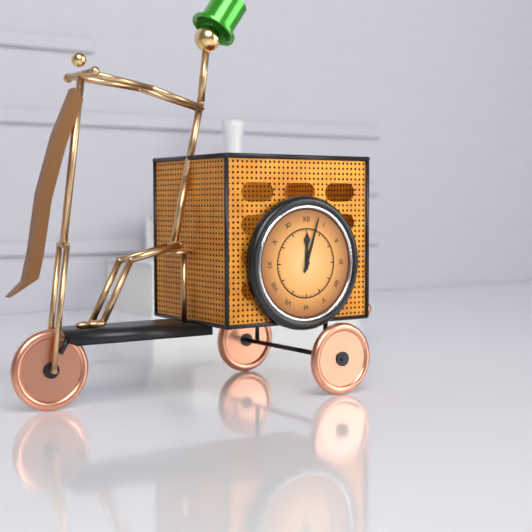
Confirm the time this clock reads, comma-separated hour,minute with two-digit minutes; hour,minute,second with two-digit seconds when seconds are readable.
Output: 12,03
